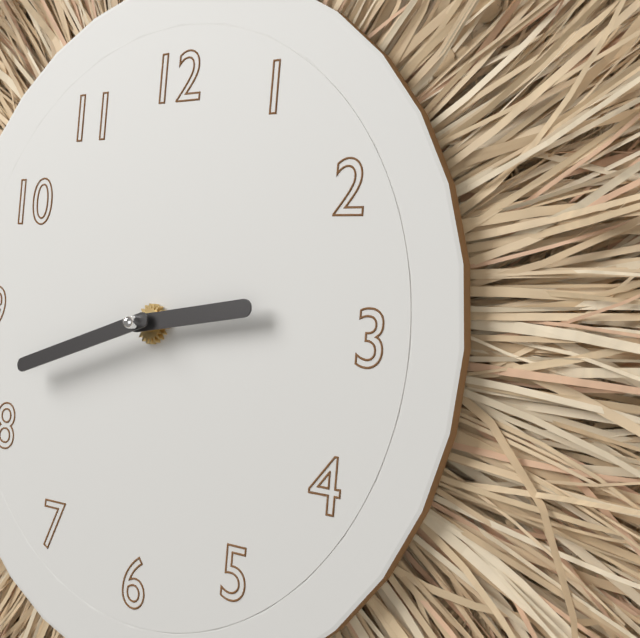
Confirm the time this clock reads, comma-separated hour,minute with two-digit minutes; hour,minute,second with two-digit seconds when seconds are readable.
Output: 2,42
